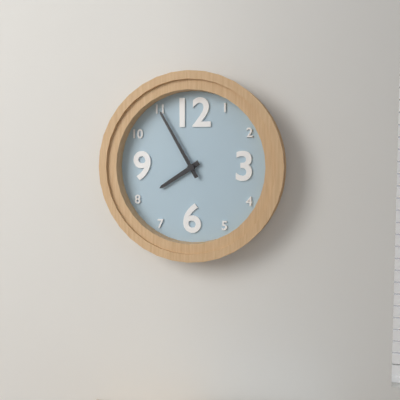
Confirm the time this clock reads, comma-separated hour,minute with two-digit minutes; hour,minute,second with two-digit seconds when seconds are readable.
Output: 7,55
